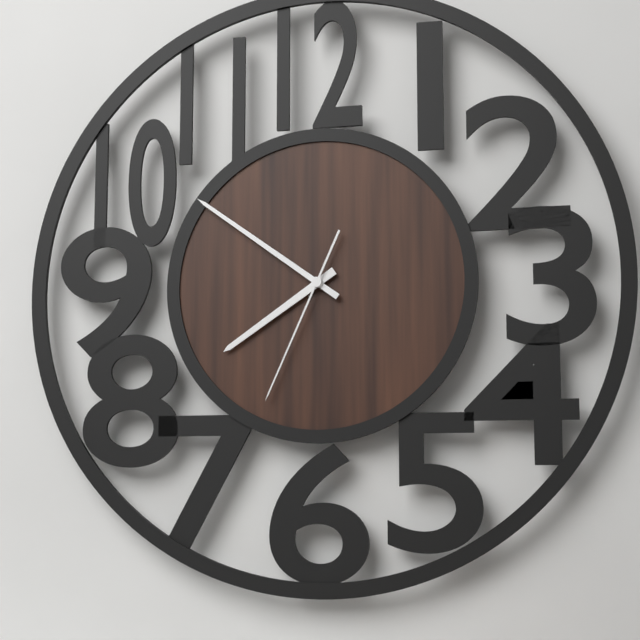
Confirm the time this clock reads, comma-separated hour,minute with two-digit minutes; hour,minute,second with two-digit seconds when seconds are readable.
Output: 7,51,34
